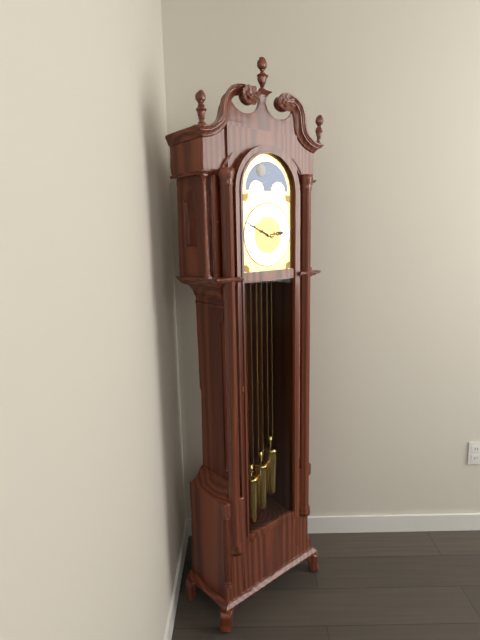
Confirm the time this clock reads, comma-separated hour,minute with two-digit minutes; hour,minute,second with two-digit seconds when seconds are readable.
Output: 2,49
